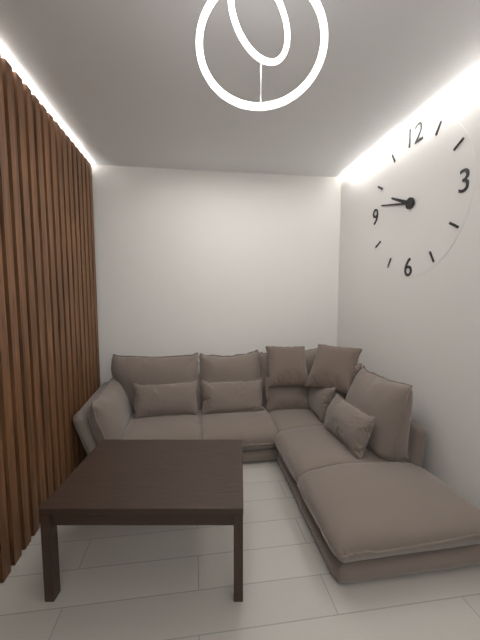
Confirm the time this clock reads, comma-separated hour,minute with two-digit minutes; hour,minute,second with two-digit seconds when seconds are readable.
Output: 9,47
